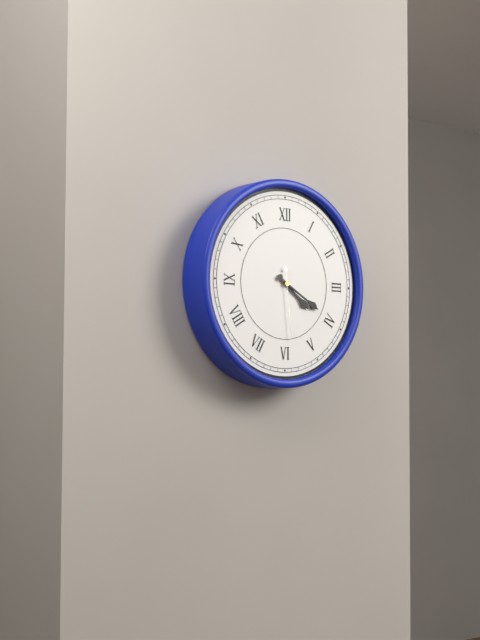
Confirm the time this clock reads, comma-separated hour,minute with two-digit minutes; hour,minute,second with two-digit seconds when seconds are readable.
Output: 4,20,29
